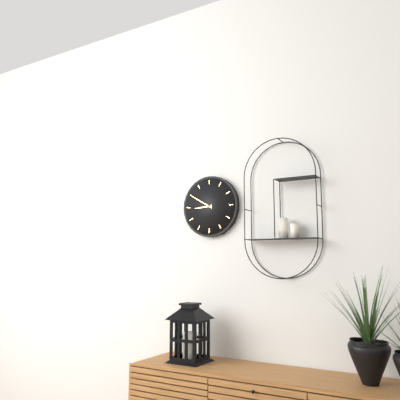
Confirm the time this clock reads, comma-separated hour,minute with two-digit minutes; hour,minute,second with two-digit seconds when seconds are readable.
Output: 8,50
